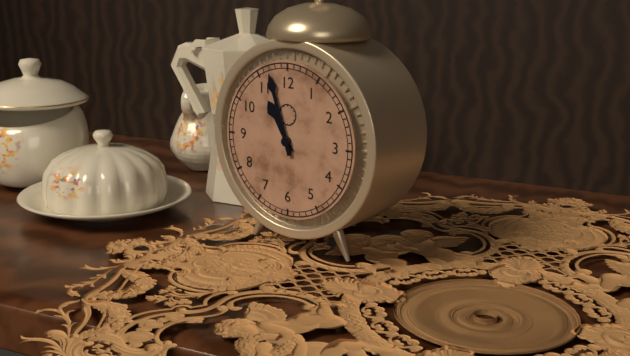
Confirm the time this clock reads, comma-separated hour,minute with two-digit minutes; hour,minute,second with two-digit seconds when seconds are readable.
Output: 10,57
